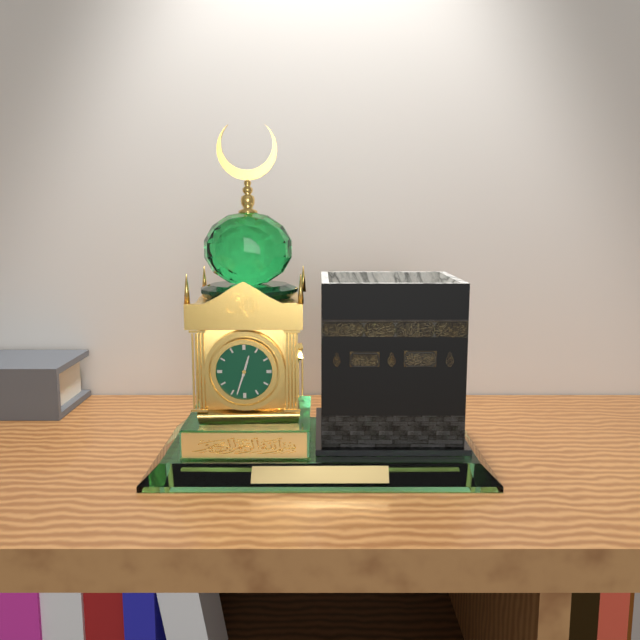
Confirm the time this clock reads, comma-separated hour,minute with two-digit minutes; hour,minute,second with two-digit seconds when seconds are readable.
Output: 12,33
